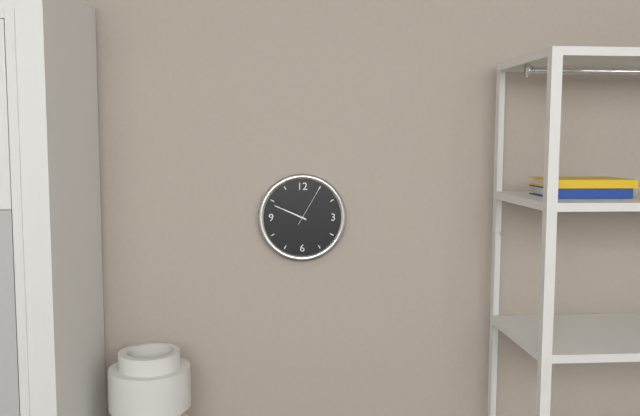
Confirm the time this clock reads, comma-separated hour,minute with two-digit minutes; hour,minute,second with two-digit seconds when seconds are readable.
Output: 9,49
